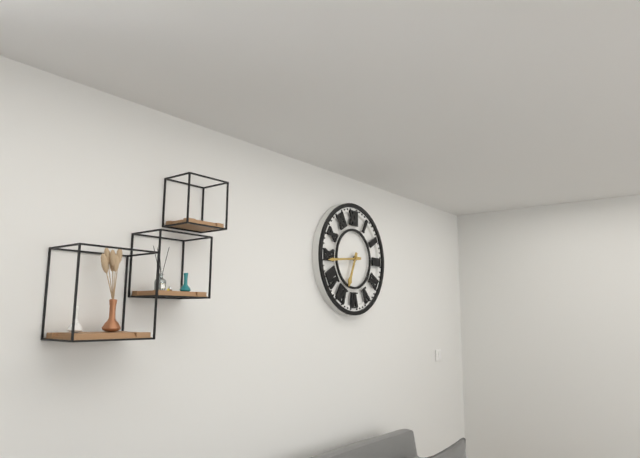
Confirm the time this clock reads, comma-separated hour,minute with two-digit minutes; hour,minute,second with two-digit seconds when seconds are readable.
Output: 6,44
